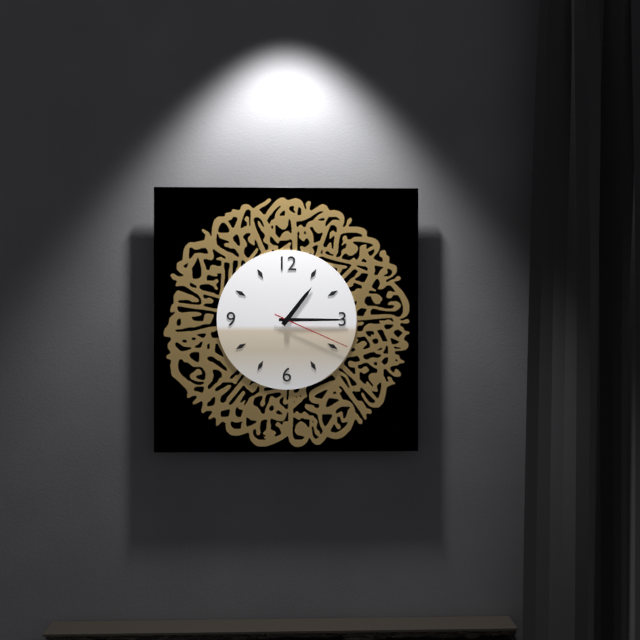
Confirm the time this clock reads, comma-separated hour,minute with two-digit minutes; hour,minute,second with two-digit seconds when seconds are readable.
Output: 1,15,19
